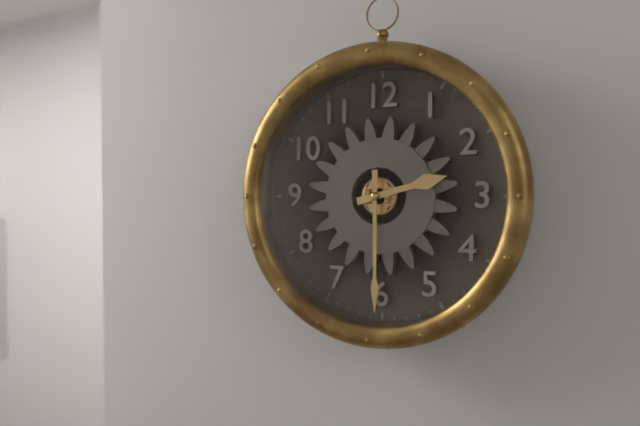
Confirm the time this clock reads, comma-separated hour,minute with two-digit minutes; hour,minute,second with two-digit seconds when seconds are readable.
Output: 2,30
